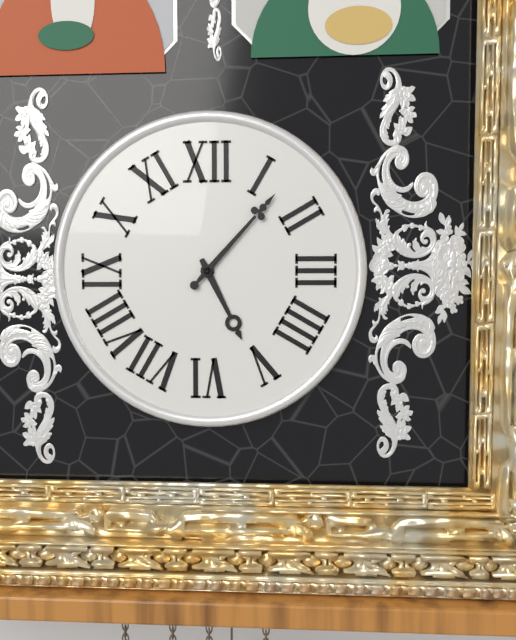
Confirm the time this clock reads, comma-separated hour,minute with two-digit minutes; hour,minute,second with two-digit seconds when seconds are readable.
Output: 5,07
